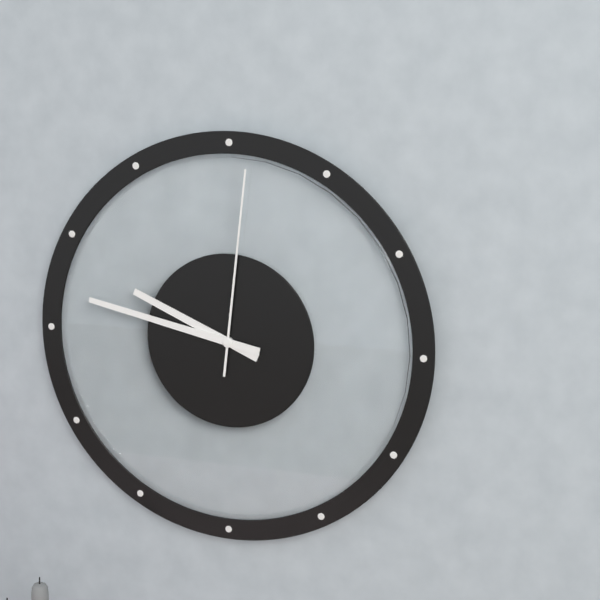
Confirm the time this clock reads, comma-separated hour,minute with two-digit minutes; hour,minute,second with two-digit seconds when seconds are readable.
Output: 9,47,01
